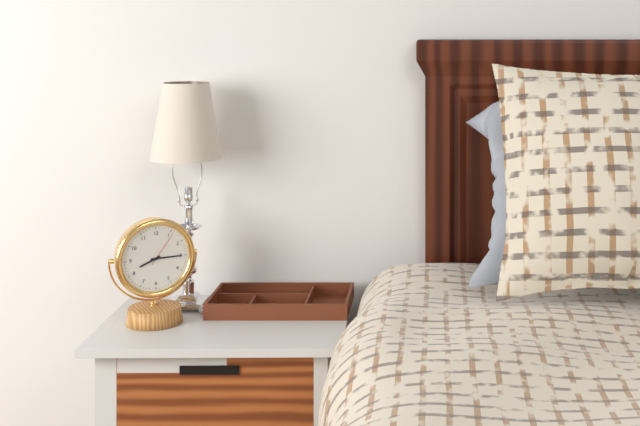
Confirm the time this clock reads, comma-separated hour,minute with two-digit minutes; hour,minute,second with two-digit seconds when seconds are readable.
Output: 8,15
